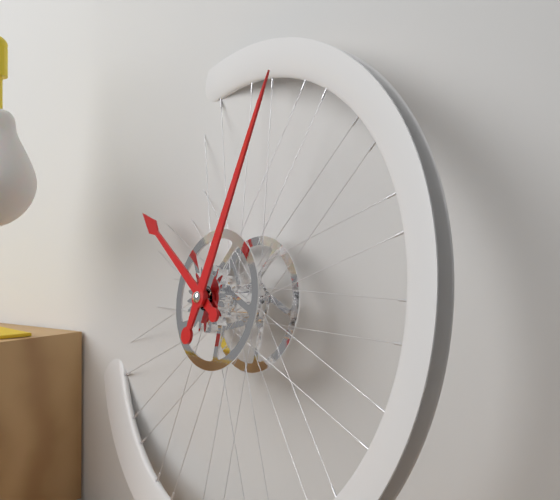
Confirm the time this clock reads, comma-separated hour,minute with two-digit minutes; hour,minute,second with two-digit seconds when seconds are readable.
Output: 10,03
